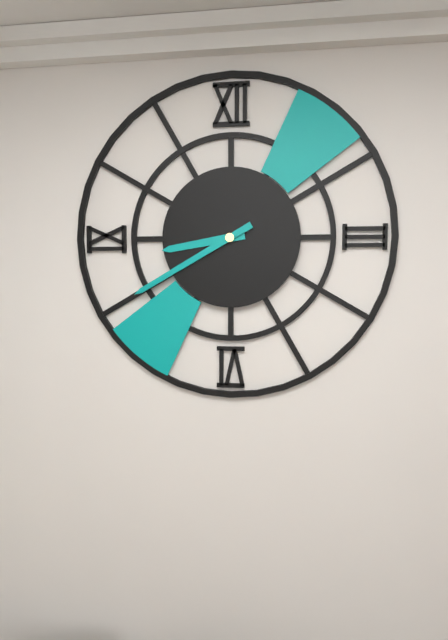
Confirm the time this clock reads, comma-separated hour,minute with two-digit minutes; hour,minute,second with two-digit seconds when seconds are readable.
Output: 8,40
